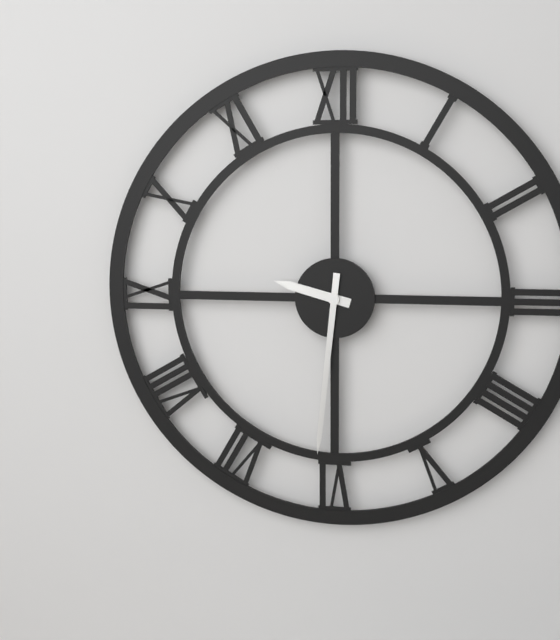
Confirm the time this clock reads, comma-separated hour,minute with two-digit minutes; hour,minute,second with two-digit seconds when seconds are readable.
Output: 9,31
